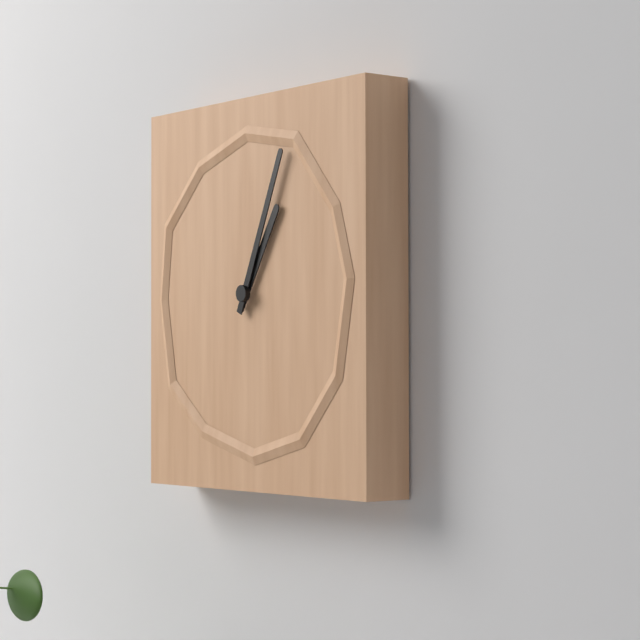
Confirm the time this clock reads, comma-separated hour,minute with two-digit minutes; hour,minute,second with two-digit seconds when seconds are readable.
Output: 1,04
